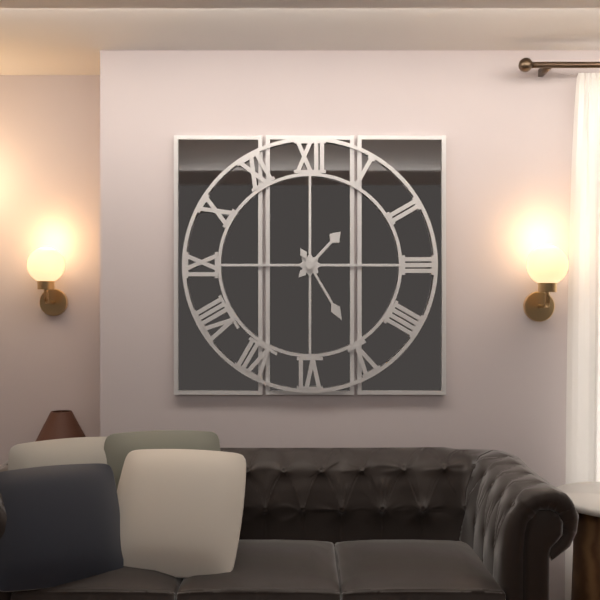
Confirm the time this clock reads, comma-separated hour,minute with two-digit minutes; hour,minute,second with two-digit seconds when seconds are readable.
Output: 1,25
